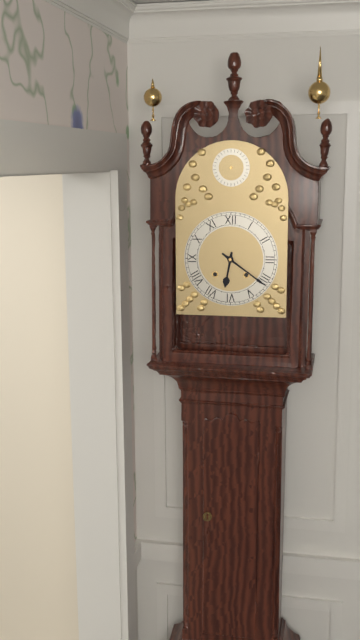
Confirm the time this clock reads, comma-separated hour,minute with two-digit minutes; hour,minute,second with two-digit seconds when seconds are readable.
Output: 6,21
